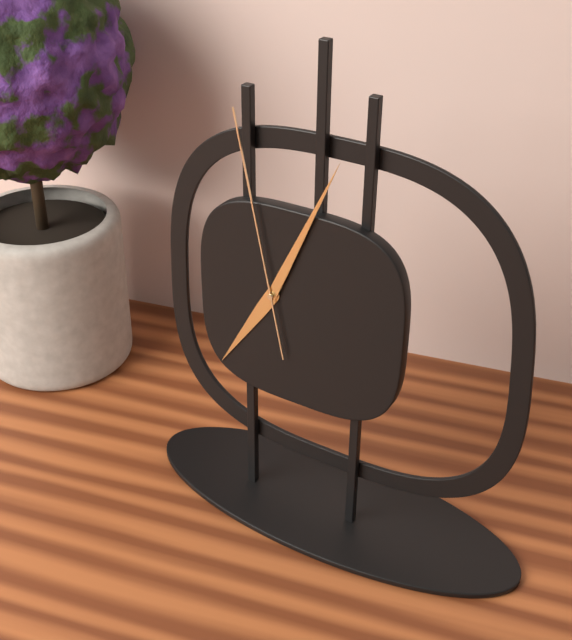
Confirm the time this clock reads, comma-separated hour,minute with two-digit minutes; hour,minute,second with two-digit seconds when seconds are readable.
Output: 7,04,58
